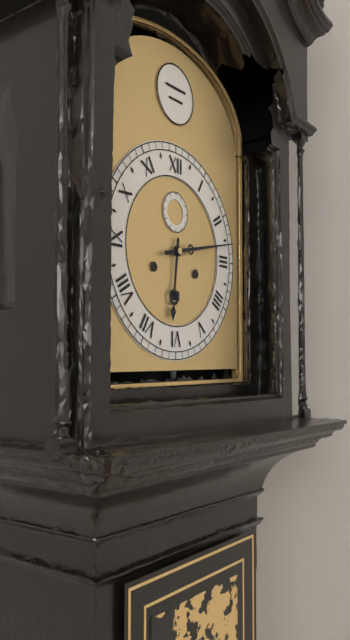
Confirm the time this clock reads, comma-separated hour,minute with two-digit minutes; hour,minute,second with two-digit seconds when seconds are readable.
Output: 6,13
